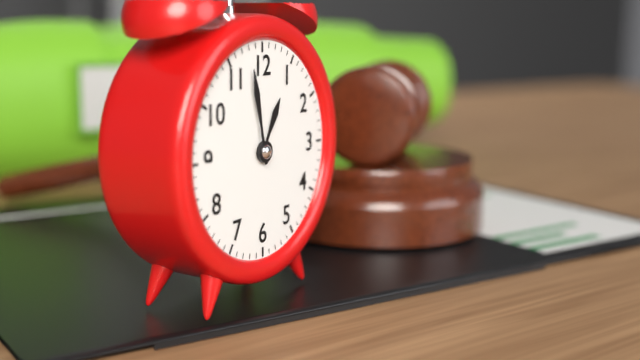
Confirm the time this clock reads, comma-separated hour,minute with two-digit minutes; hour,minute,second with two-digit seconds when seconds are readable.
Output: 12,58
